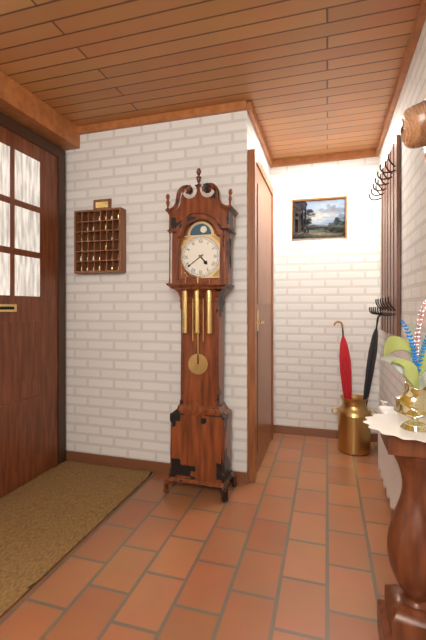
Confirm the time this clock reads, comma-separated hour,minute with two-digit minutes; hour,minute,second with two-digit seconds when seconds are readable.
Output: 4,39
